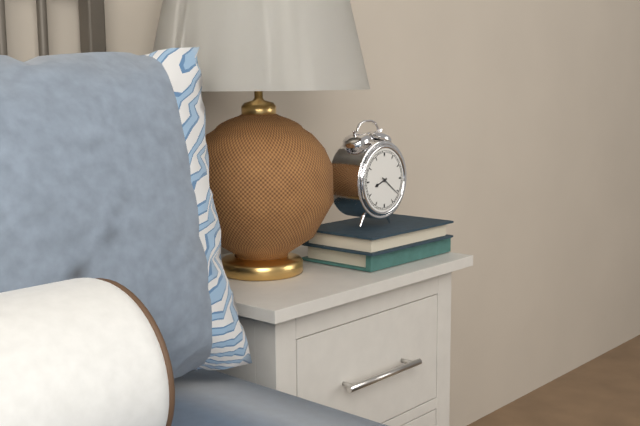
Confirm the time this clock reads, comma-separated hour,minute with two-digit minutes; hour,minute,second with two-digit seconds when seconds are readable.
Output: 8,21
